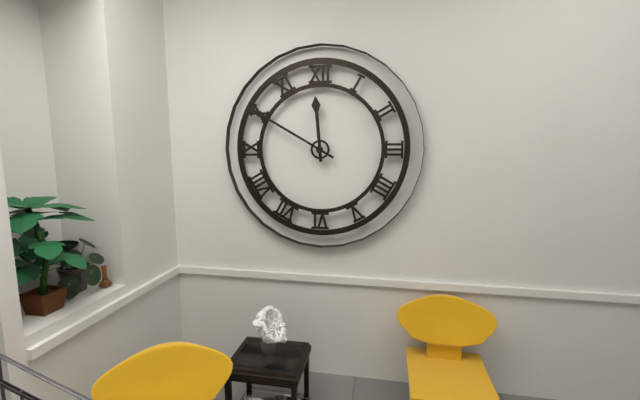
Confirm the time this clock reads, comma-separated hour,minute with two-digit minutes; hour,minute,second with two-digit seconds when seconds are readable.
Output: 11,50
